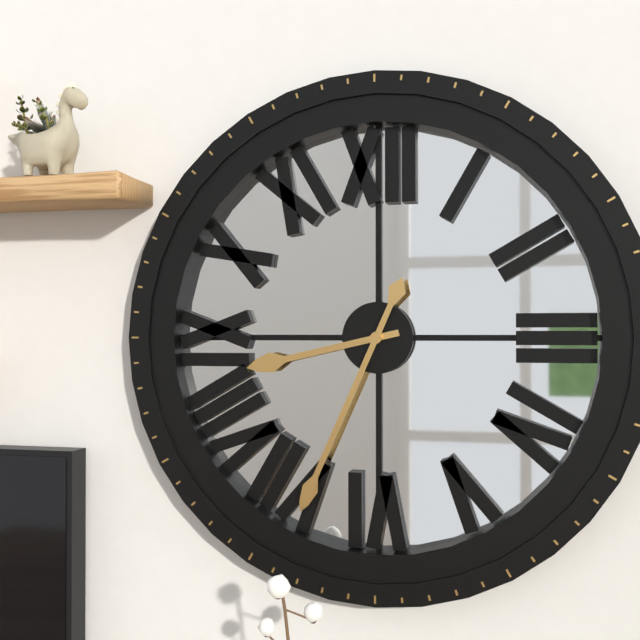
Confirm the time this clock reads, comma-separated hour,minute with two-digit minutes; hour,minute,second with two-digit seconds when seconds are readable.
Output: 8,34
